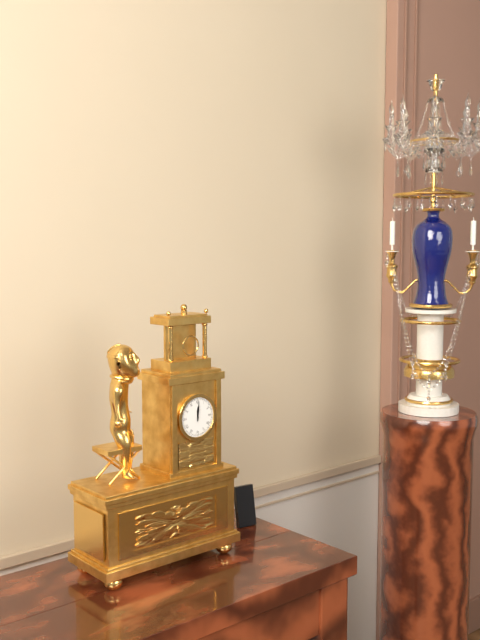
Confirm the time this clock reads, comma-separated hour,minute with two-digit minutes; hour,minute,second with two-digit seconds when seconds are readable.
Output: 12,01
